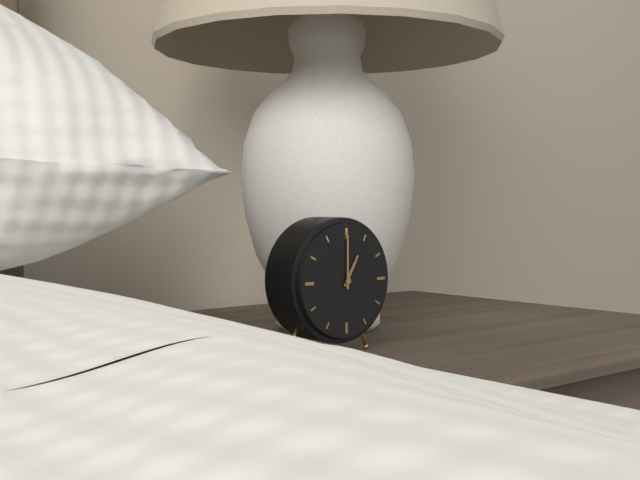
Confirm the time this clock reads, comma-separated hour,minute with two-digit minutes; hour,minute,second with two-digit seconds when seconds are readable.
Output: 1,00
